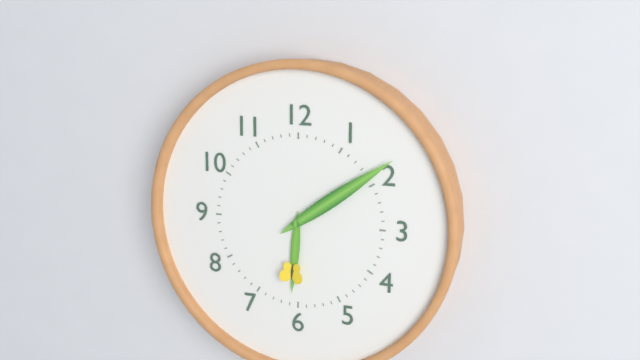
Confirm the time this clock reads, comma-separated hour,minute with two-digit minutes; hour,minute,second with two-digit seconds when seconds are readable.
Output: 6,09
